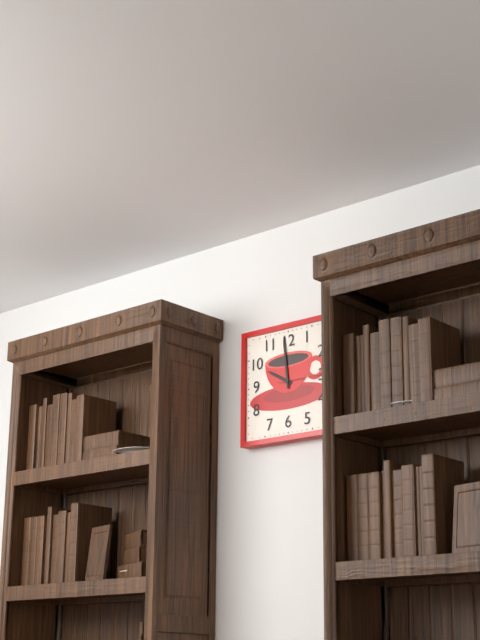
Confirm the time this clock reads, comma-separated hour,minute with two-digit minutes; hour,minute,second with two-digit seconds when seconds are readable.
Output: 9,59
